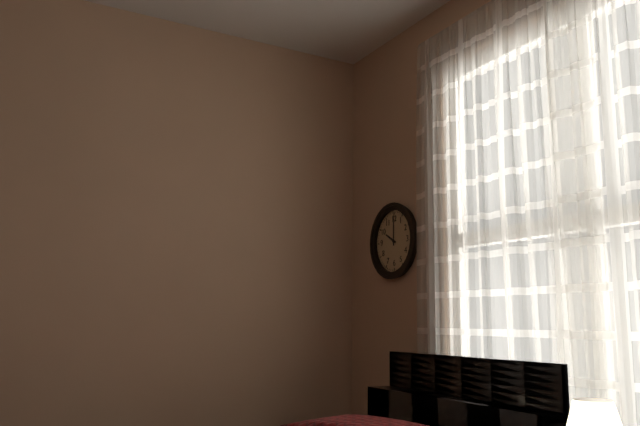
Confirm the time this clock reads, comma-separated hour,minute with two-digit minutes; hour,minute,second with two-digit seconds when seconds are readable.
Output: 10,00
